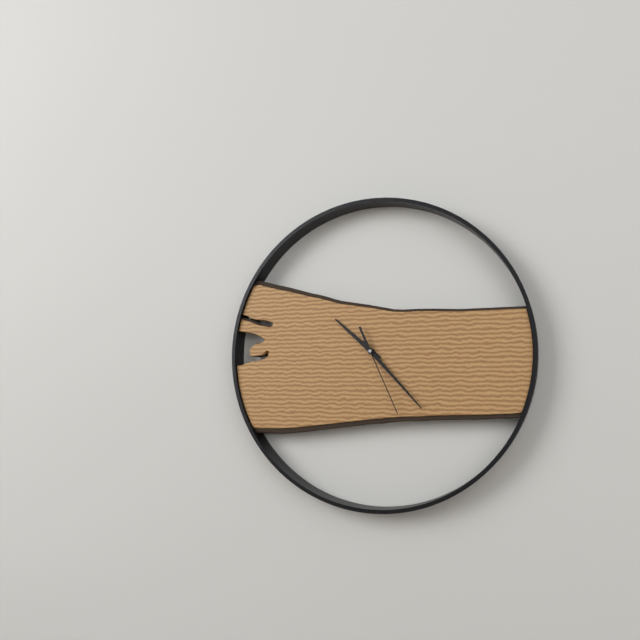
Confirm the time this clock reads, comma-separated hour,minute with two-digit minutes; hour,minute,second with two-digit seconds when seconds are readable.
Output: 10,23,26
